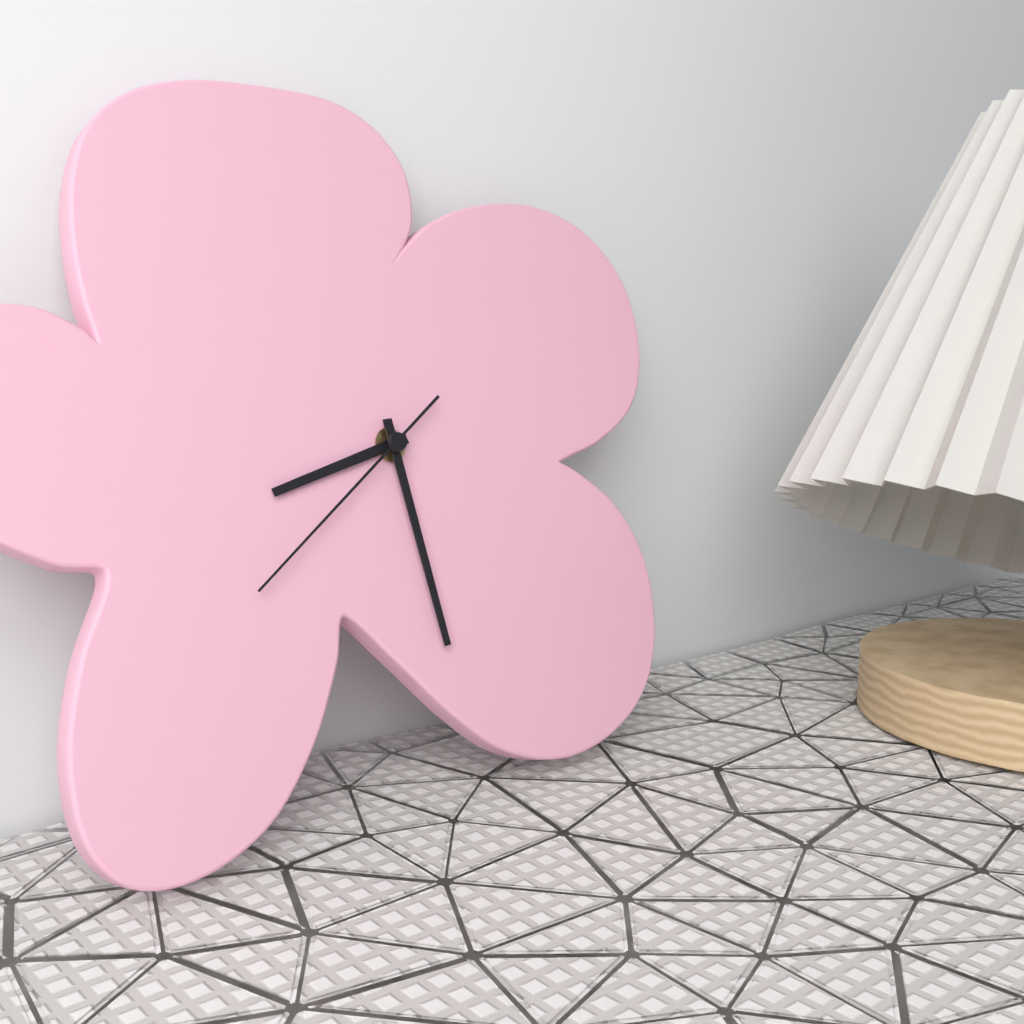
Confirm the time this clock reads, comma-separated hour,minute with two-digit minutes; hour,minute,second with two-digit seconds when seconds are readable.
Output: 8,29,39
